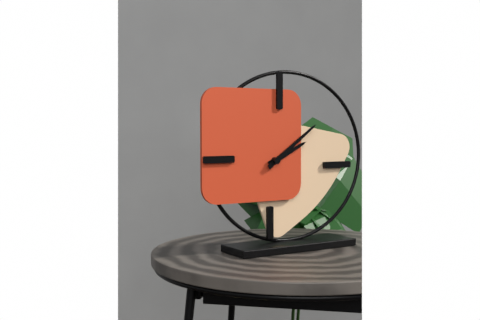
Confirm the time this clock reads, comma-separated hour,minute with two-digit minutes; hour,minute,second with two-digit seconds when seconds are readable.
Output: 2,09
